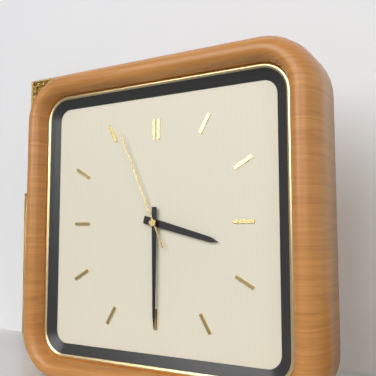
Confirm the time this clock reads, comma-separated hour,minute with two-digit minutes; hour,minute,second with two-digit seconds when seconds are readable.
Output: 3,30,56
